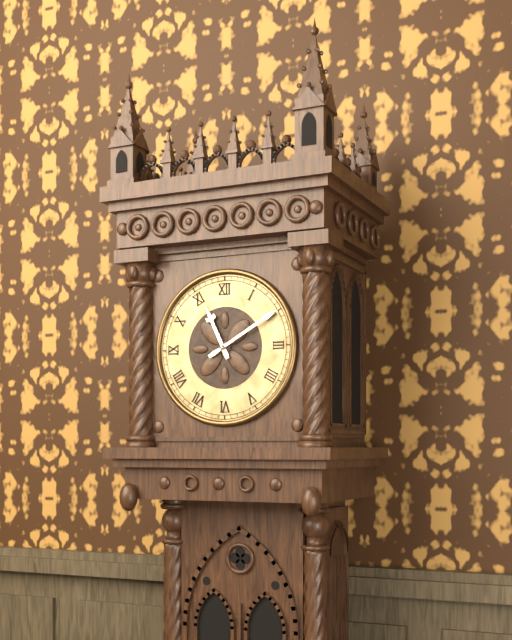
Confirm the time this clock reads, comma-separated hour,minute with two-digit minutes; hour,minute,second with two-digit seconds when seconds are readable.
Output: 11,10
